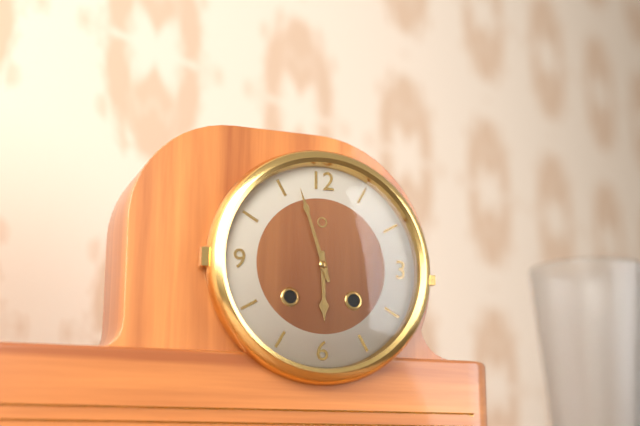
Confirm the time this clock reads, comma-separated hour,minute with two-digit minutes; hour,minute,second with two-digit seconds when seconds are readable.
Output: 5,57
